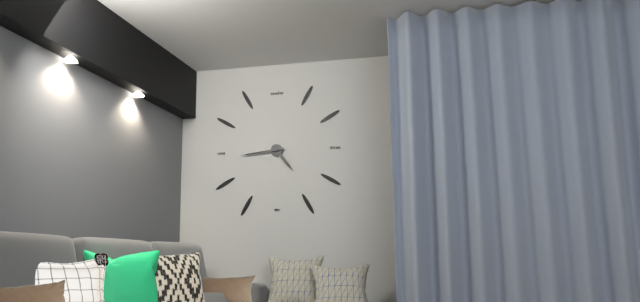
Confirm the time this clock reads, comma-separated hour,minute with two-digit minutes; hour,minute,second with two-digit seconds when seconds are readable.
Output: 4,44
